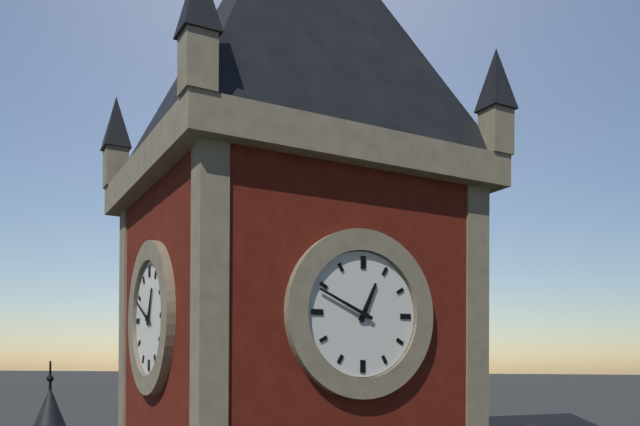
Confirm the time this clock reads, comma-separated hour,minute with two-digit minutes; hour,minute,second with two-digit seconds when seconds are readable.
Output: 12,49
